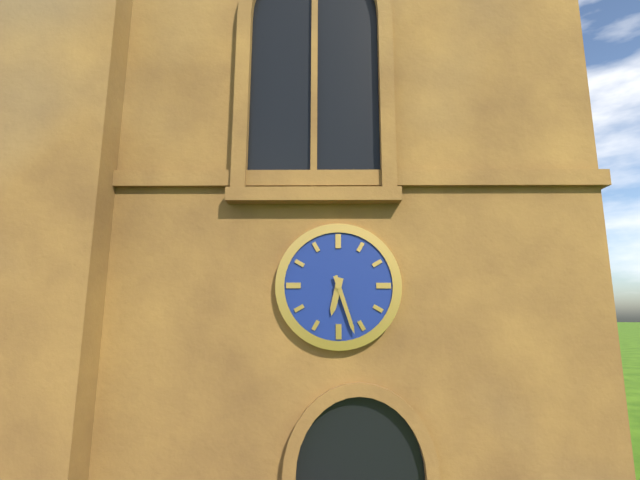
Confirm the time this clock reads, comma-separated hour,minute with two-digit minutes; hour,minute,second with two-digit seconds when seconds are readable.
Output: 6,27
